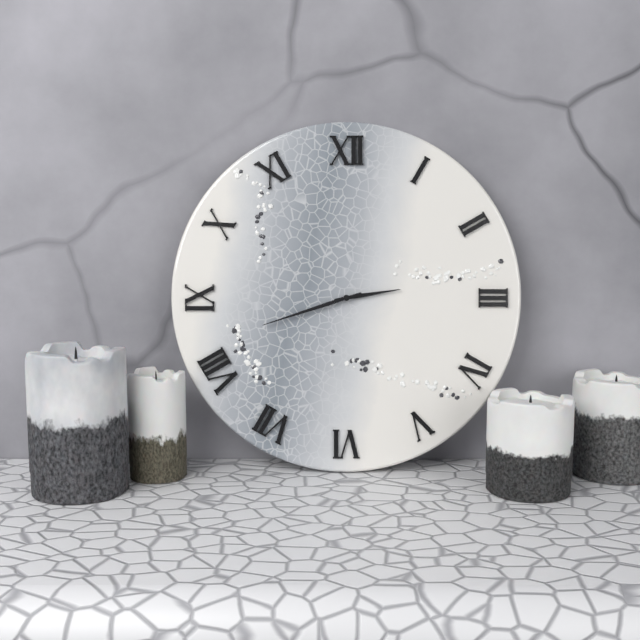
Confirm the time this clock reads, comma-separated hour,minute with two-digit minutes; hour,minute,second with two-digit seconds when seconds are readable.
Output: 2,42
